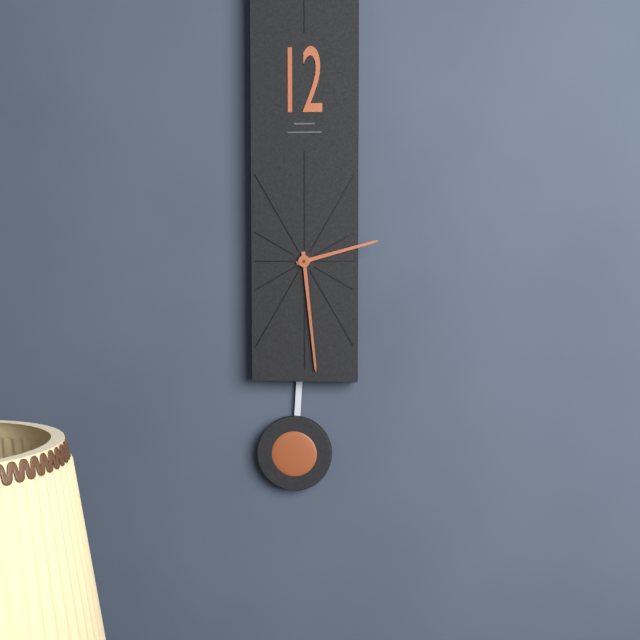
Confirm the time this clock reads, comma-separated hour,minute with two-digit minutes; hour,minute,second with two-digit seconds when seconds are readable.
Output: 2,29
